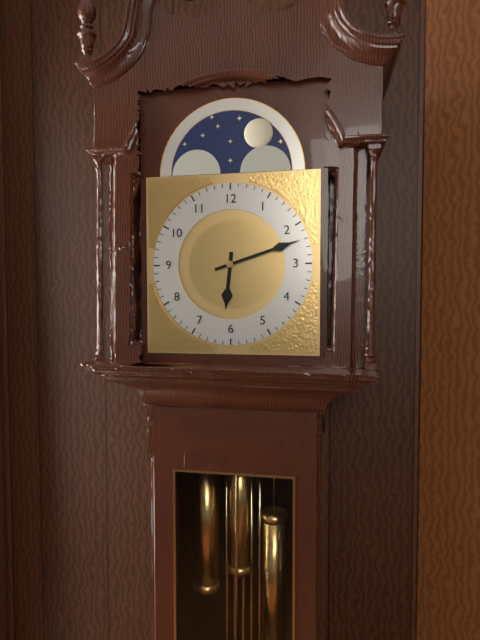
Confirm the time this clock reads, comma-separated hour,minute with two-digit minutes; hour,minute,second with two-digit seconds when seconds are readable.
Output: 6,12
